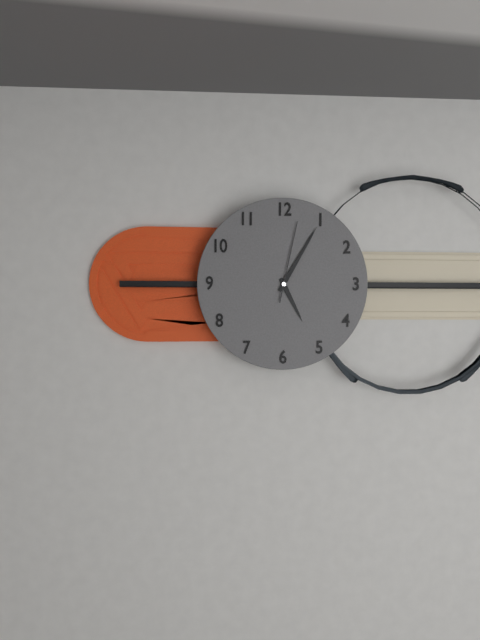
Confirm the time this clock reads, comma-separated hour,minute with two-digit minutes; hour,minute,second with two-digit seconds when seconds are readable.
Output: 5,05,02
